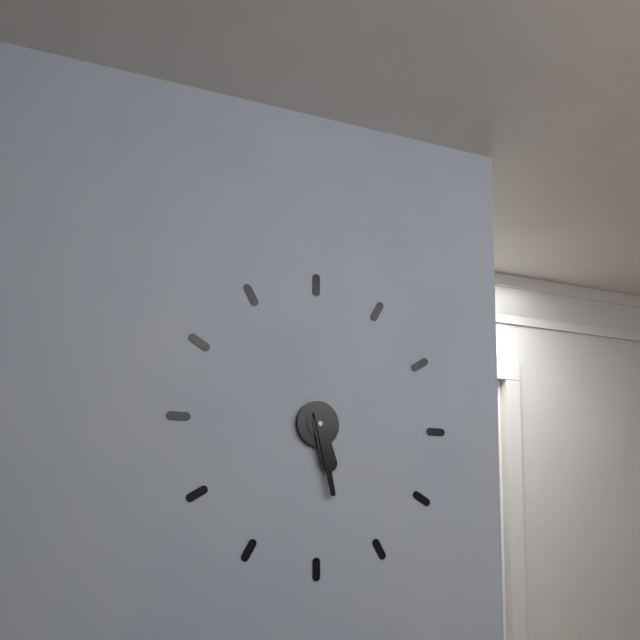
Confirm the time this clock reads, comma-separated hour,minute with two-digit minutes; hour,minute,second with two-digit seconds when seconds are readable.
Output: 5,28
